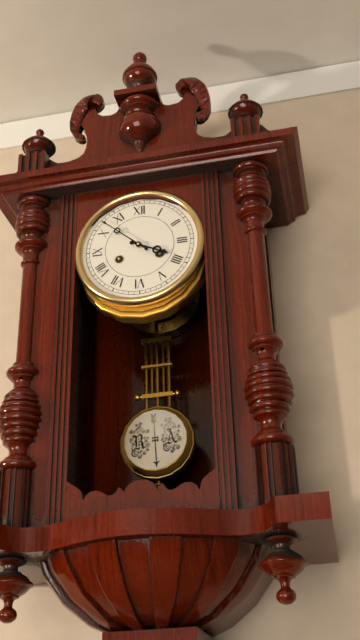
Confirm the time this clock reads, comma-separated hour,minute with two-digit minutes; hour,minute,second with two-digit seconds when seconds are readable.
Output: 3,52
